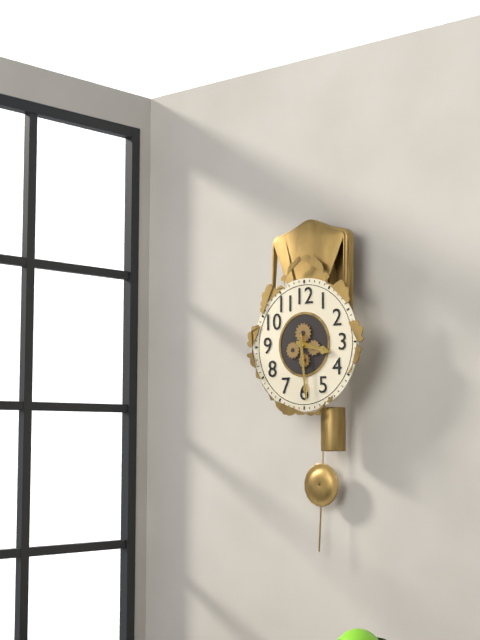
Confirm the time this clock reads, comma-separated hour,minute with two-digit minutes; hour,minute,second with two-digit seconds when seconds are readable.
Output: 3,29
